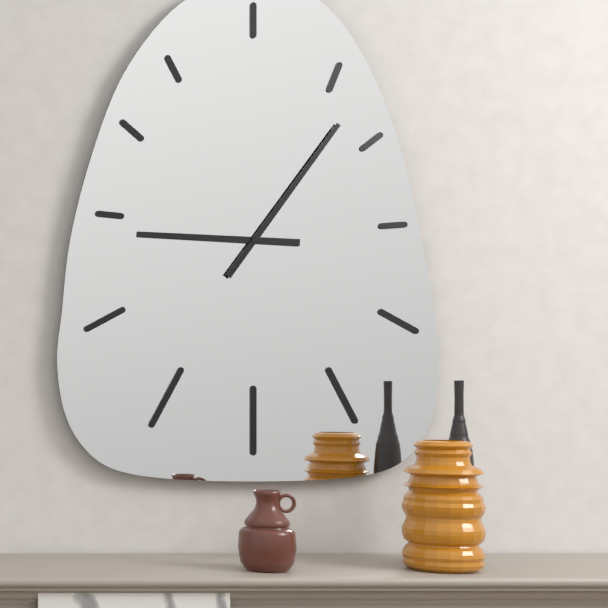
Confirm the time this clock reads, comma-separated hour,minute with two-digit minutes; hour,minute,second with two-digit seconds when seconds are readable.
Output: 9,06
